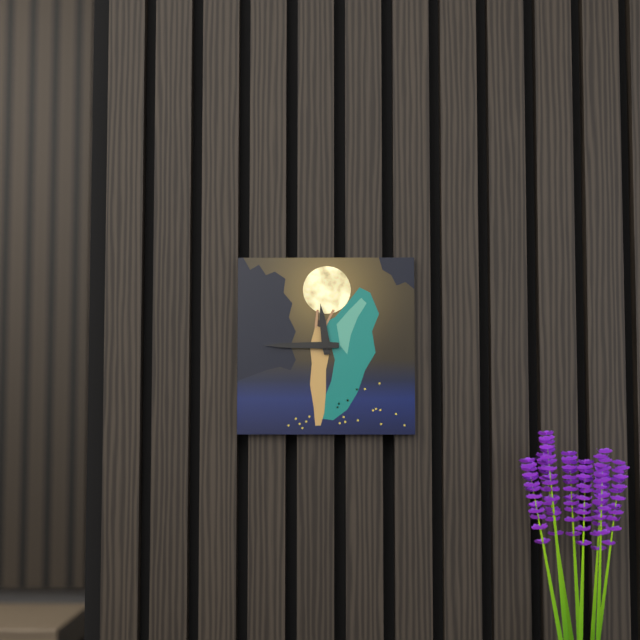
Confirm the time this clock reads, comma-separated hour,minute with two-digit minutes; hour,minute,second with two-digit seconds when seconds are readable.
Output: 11,45
